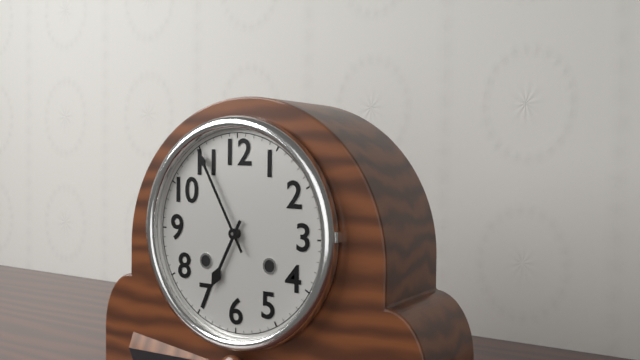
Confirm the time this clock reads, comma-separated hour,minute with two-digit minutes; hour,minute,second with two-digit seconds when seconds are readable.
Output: 6,55
